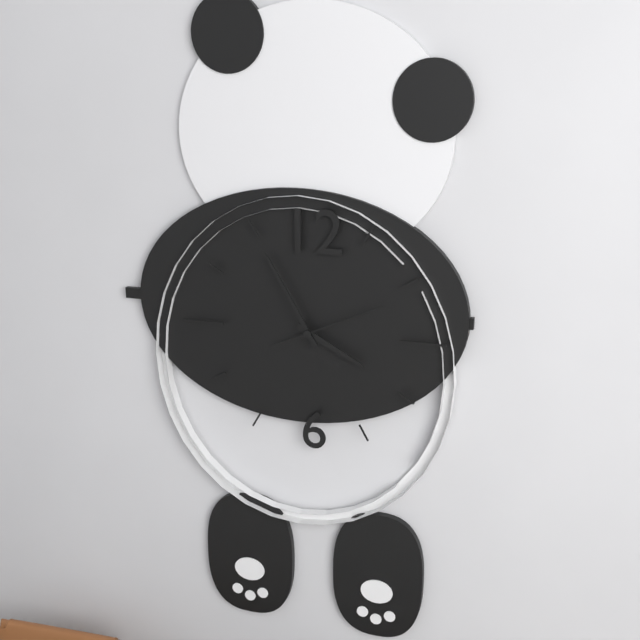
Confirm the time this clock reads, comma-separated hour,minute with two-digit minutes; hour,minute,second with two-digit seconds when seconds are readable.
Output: 3,55,11
